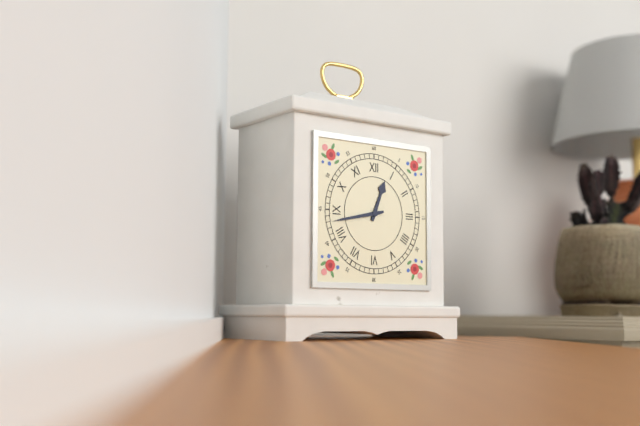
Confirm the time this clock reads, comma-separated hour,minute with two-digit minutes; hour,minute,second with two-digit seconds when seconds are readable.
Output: 12,43
